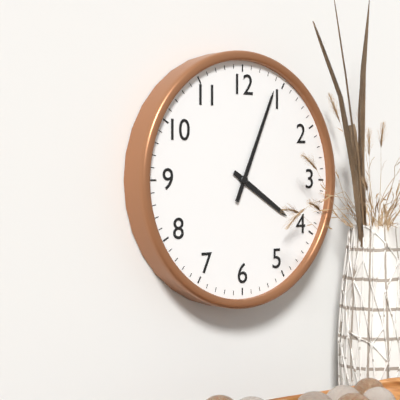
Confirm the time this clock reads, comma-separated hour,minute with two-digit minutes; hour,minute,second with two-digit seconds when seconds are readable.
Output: 4,04
